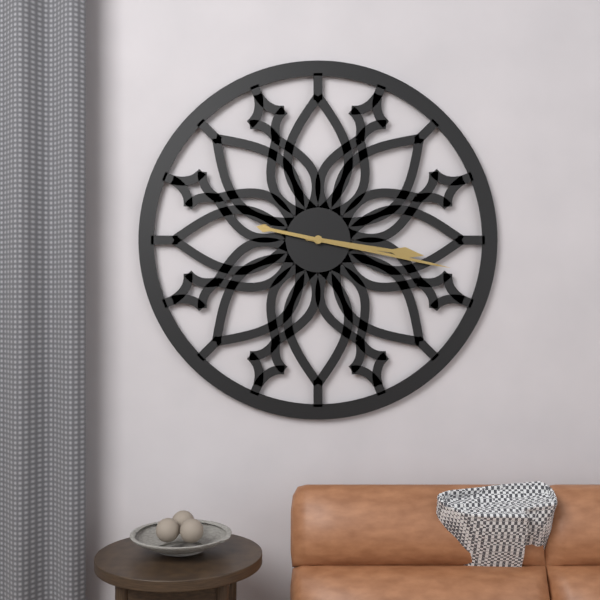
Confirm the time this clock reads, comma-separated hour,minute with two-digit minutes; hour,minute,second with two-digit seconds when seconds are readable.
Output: 3,17
